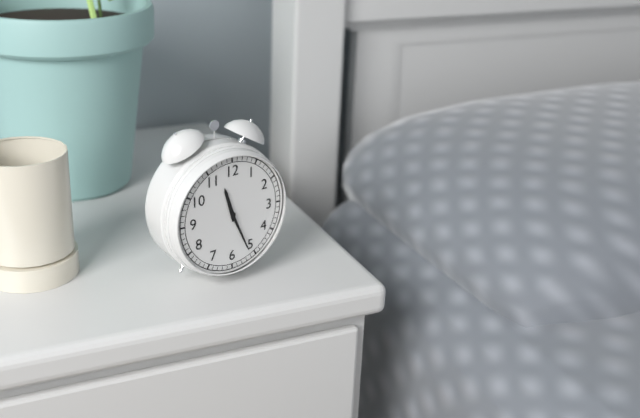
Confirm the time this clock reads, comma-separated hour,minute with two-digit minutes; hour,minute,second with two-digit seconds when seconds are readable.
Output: 11,26
